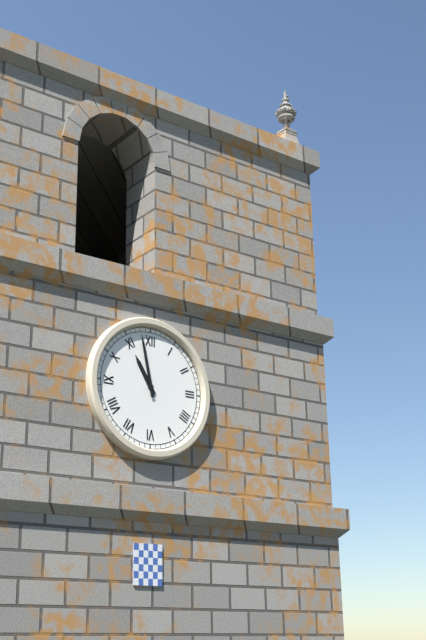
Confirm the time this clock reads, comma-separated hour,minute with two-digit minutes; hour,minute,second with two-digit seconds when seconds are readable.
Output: 10,58
